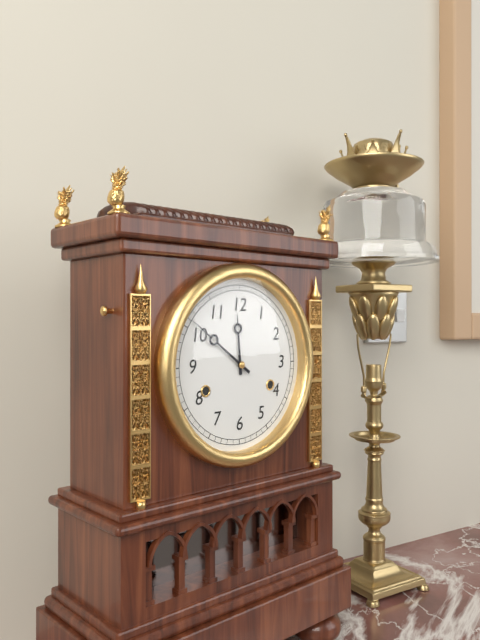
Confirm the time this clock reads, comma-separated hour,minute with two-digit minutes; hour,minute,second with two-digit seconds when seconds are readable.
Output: 11,51
